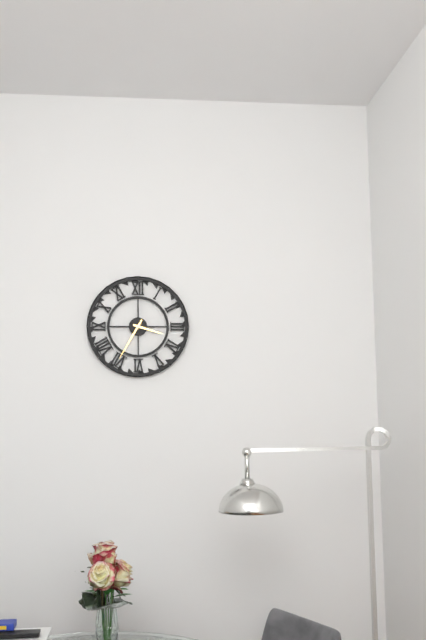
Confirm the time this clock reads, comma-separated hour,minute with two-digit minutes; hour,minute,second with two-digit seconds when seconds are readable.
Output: 3,35
